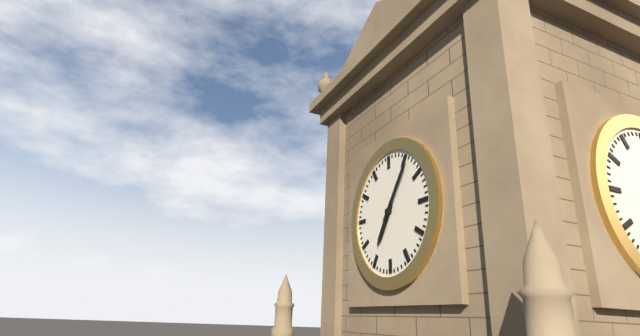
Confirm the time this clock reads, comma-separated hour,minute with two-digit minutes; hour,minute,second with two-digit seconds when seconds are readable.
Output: 7,06
